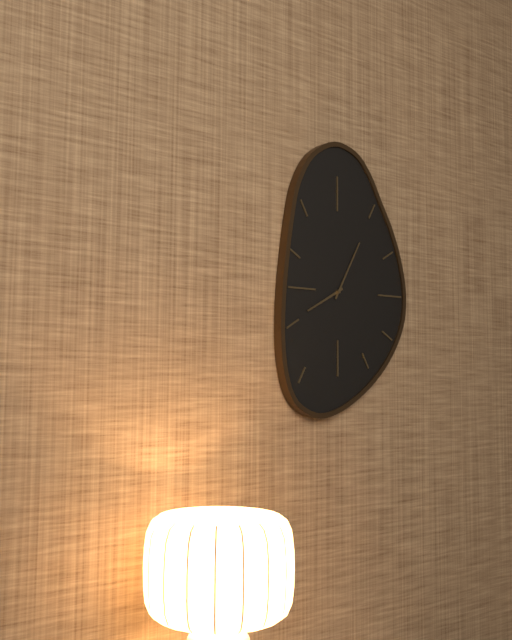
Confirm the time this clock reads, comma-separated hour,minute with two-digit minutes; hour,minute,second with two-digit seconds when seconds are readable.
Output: 8,05
